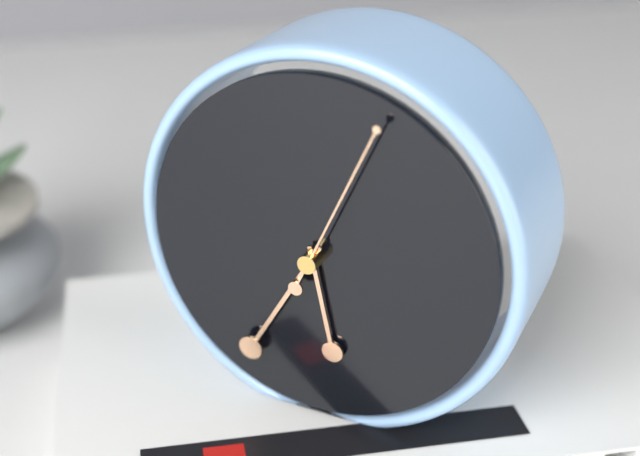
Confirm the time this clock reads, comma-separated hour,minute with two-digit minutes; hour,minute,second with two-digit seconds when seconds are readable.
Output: 5,35,04
